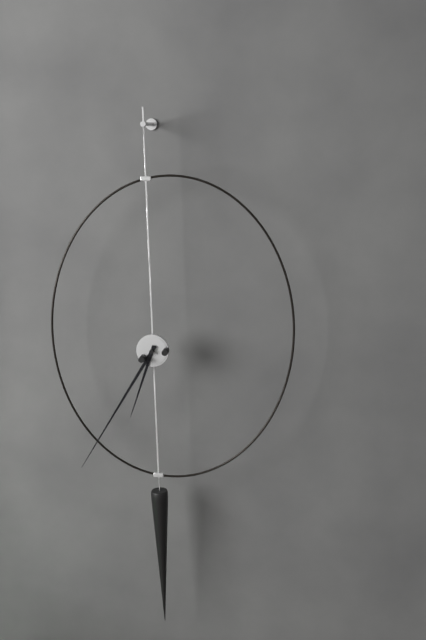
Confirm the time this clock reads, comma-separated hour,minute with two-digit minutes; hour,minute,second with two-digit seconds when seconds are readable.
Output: 6,35
